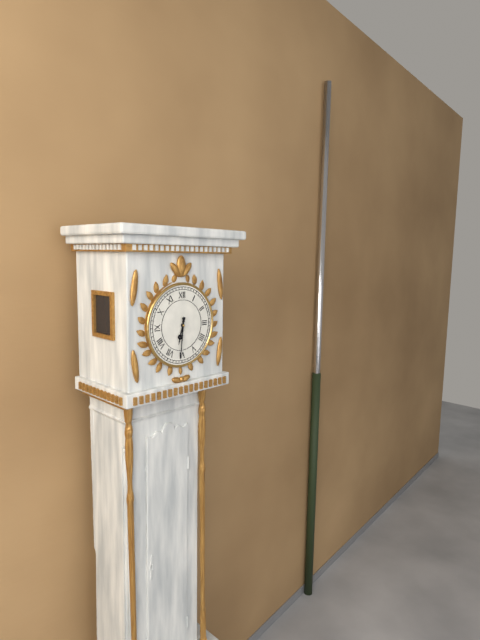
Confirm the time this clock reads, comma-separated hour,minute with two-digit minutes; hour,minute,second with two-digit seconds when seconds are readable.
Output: 6,31
